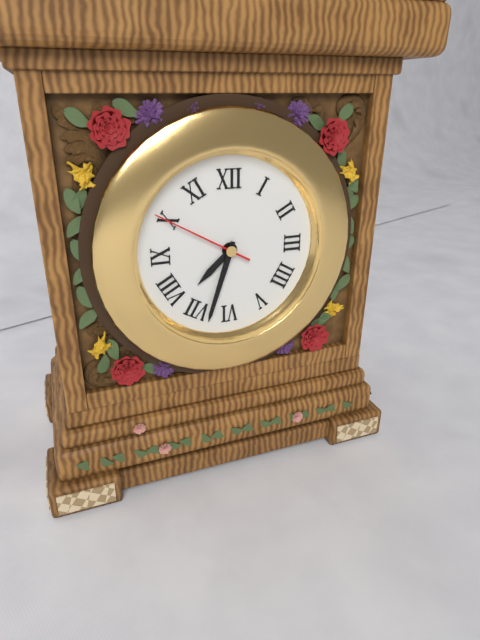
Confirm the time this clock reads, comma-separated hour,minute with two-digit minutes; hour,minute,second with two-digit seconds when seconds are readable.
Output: 7,33,50
